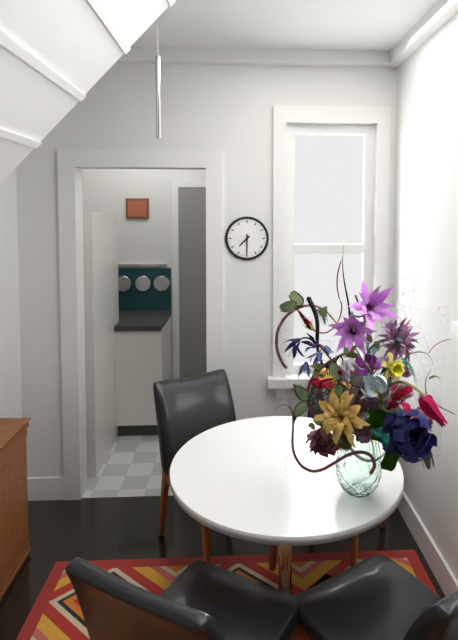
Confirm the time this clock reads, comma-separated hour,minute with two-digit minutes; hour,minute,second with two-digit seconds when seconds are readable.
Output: 7,30
